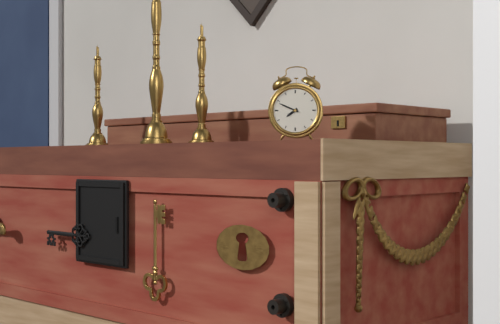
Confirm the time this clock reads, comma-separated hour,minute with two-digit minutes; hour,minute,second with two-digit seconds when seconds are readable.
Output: 7,49
